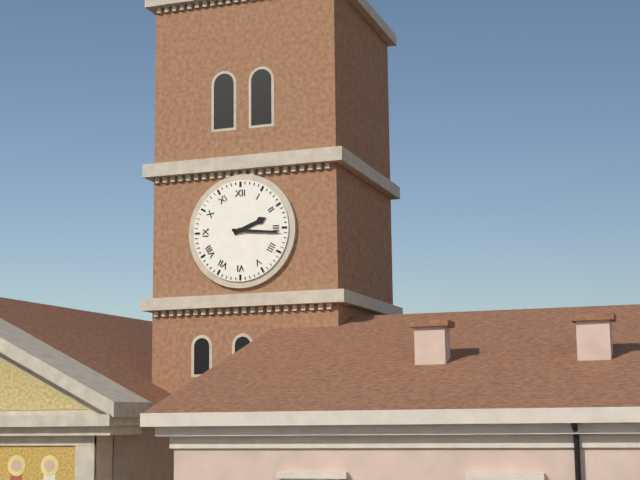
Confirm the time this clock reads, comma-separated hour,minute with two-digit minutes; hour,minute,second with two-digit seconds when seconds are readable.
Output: 2,16
